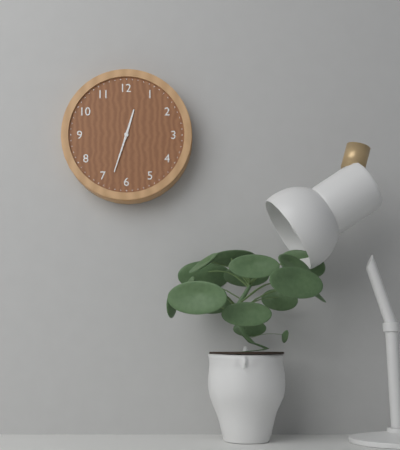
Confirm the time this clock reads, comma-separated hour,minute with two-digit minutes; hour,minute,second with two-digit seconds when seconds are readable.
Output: 12,33
